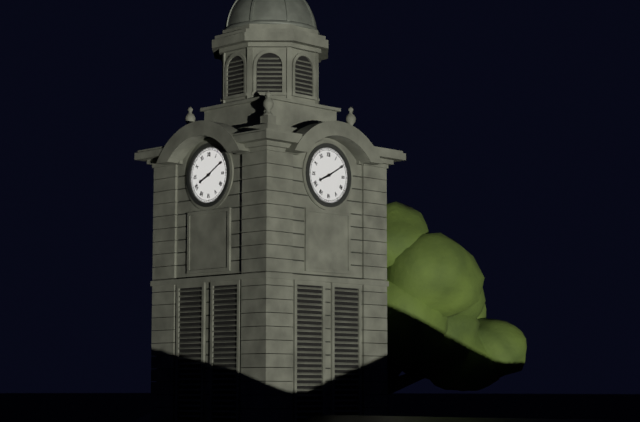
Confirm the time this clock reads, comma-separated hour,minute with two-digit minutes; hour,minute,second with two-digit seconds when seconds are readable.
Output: 8,10
